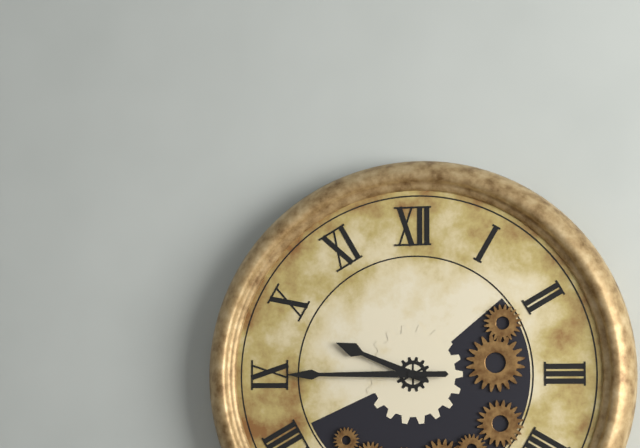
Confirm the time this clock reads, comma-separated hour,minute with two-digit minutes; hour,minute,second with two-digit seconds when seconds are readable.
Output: 9,45
